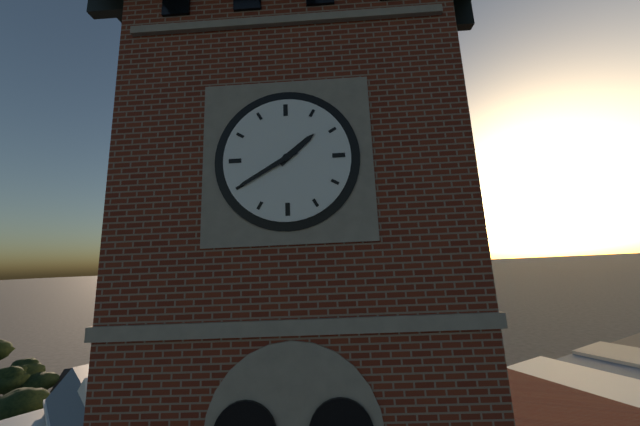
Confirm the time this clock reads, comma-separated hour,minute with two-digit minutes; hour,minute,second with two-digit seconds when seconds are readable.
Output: 1,40
